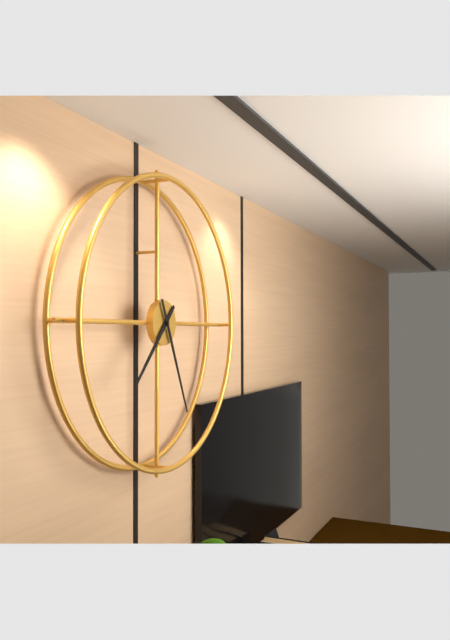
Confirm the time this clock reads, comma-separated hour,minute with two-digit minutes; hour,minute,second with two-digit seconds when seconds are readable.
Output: 7,26
